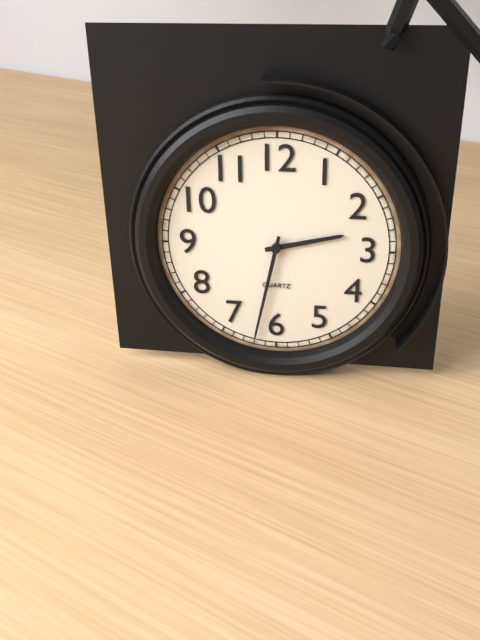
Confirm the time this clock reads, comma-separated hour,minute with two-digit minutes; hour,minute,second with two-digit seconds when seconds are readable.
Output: 2,32
